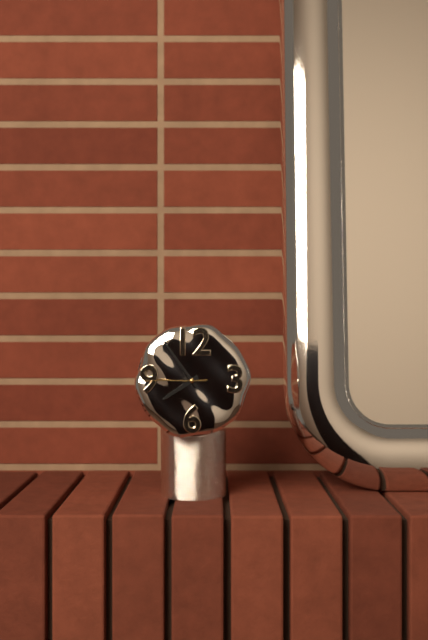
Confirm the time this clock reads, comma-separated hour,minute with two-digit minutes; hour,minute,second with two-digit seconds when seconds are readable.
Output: 7,54,45
